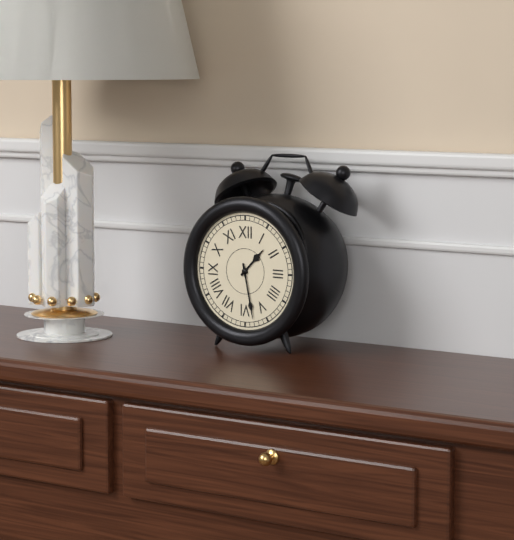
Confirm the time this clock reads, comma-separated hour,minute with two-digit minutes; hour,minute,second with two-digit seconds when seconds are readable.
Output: 1,28
